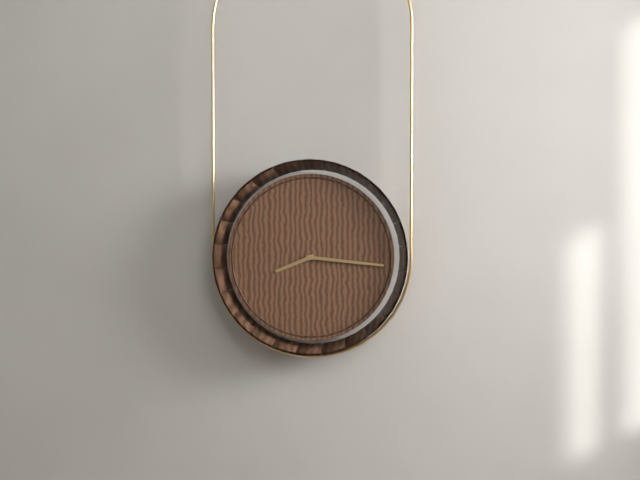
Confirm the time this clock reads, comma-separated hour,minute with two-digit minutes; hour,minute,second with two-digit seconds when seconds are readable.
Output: 8,16
